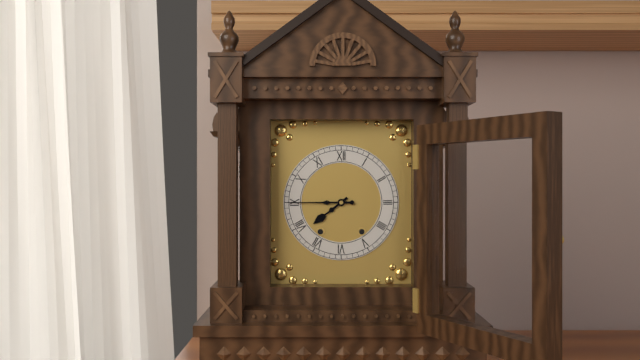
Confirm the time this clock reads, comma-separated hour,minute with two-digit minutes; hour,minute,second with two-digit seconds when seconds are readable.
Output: 7,45
